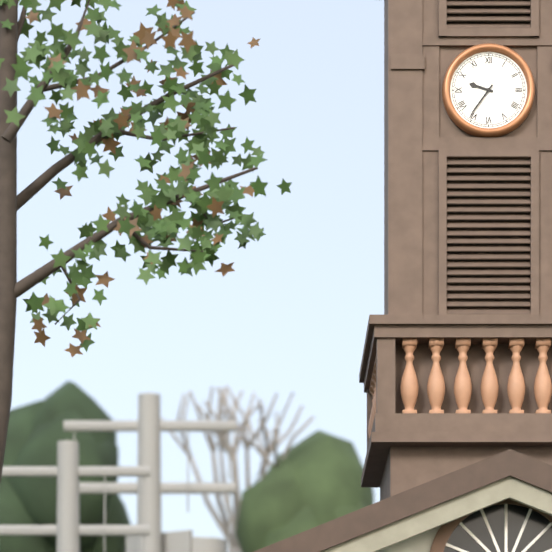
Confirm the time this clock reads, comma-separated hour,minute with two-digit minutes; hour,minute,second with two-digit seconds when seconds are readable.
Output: 9,36
